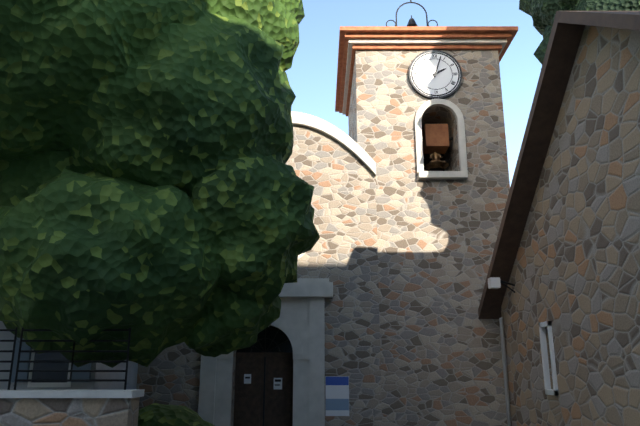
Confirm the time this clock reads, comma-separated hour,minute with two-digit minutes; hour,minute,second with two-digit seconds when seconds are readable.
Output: 2,03
